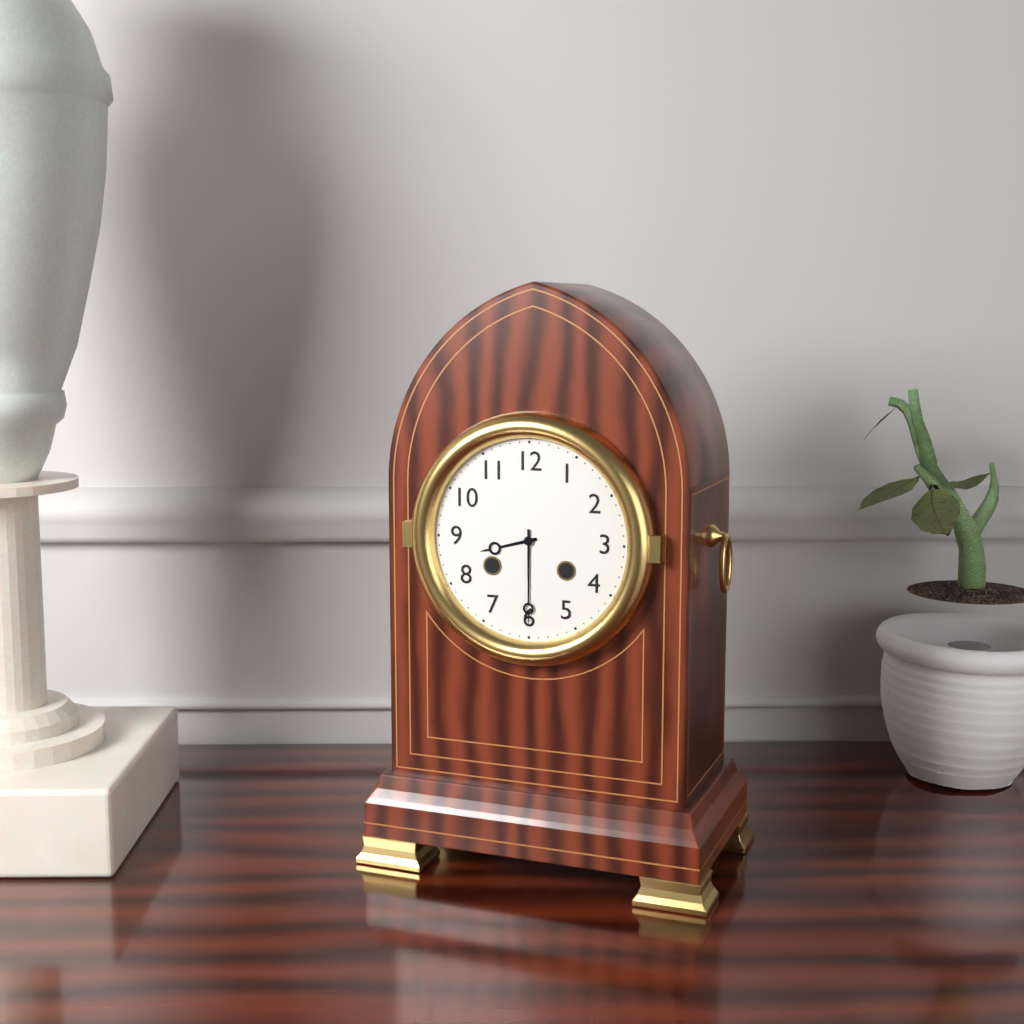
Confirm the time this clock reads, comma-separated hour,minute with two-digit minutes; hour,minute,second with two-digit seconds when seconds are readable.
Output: 8,30
